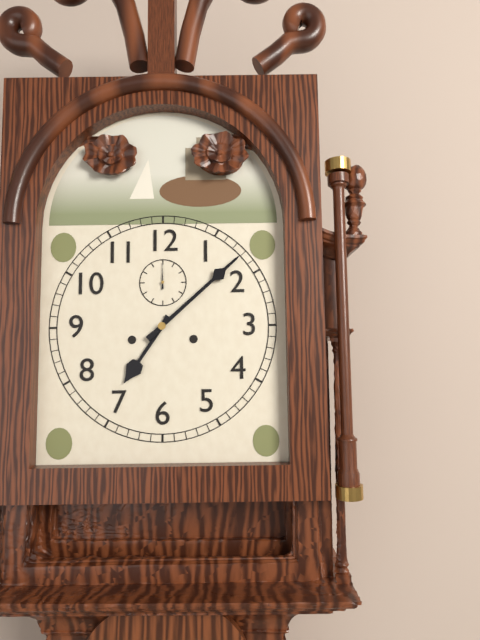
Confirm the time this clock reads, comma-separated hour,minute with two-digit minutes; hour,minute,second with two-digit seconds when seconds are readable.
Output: 7,08
